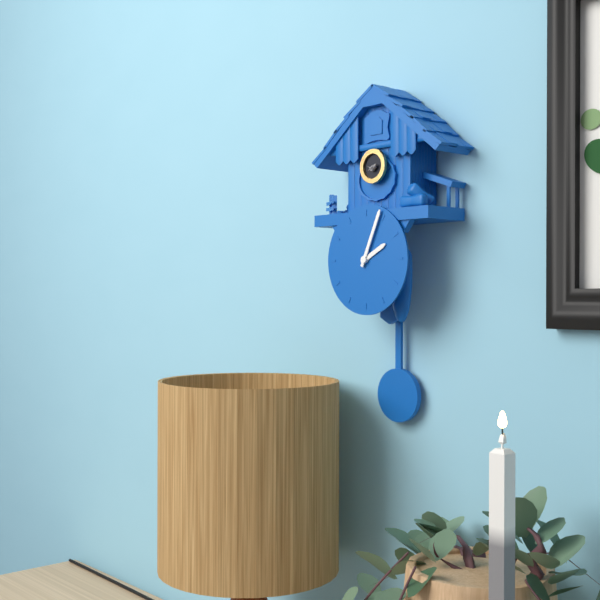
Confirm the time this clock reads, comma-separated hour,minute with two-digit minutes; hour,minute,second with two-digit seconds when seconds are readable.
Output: 2,04
